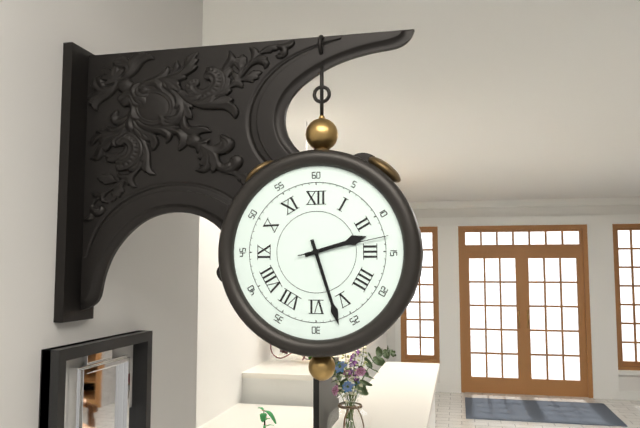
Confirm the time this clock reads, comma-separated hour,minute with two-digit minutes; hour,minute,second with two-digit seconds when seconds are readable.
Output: 2,27,13
